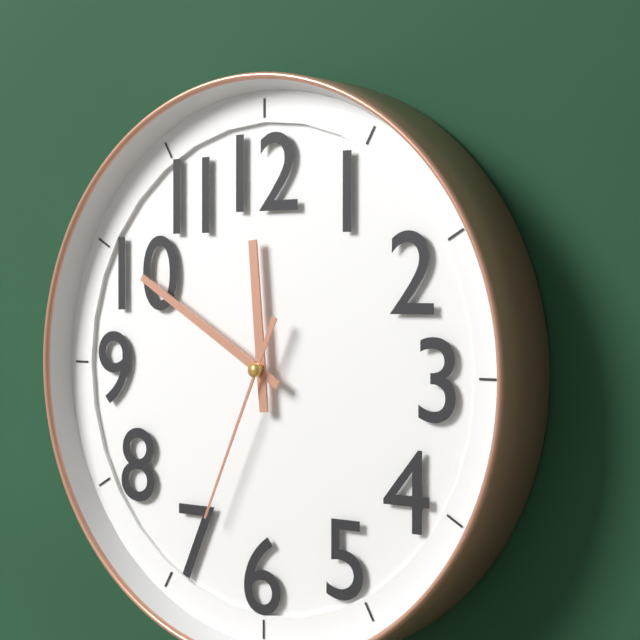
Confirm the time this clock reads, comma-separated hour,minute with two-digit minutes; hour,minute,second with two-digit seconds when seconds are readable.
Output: 11,50,34
